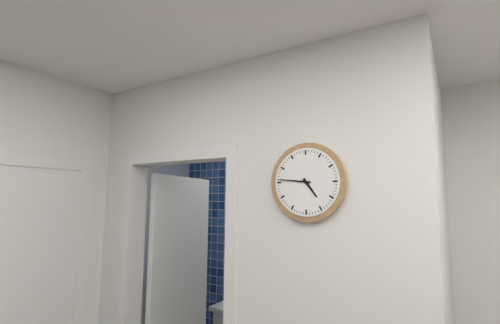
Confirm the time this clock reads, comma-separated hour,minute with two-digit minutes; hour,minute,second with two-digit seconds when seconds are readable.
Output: 4,46
